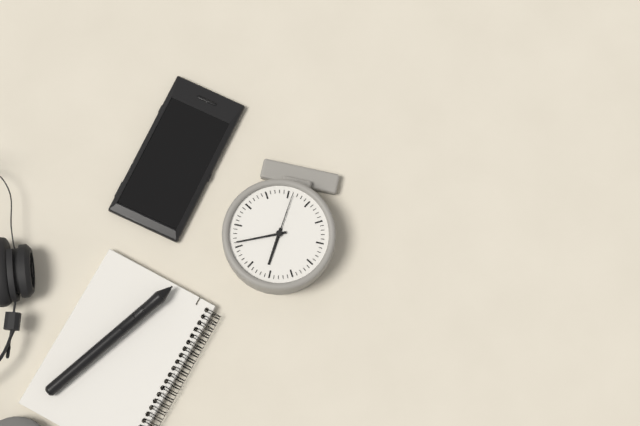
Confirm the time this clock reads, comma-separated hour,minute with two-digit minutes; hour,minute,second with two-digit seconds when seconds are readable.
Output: 12,11,31
